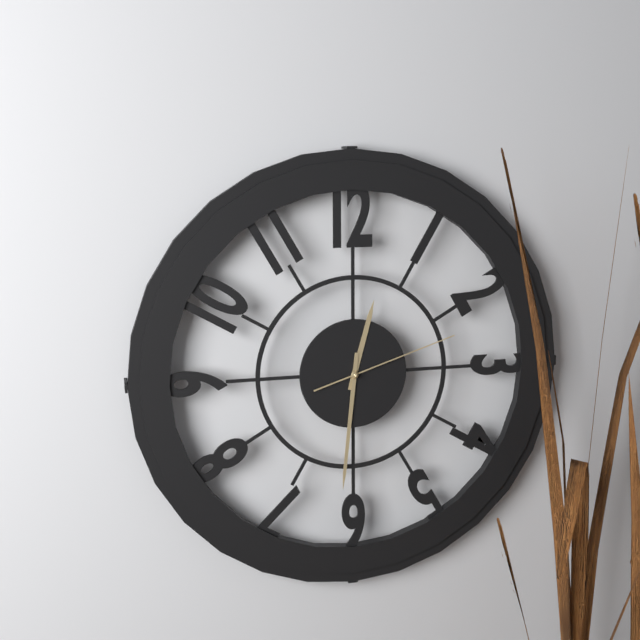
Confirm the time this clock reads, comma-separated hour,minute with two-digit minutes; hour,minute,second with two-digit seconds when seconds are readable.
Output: 12,31,12
